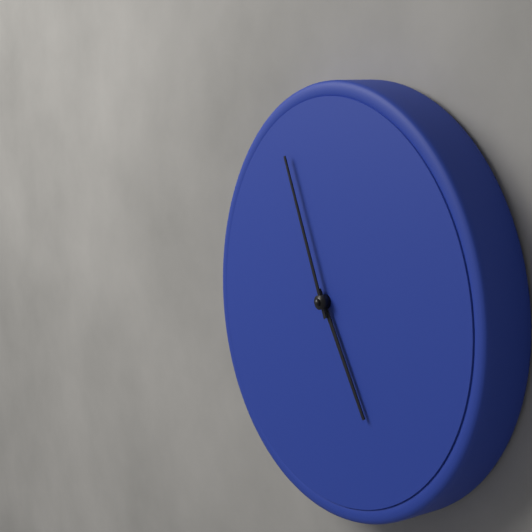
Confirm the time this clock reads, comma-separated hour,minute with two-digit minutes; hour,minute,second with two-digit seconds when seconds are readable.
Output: 4,56
